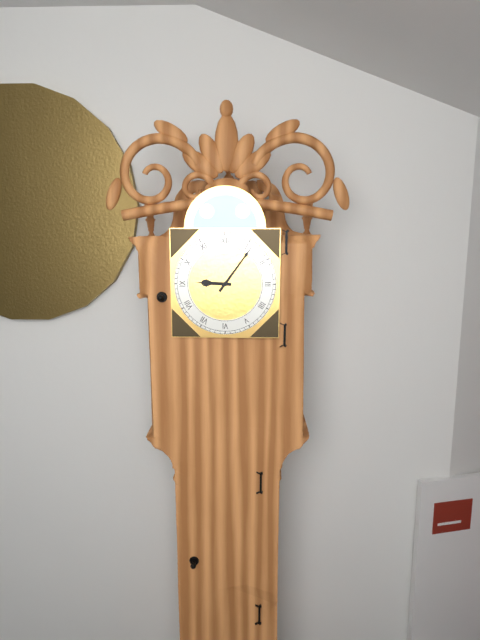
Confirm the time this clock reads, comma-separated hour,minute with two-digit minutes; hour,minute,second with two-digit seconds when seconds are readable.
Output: 9,06
